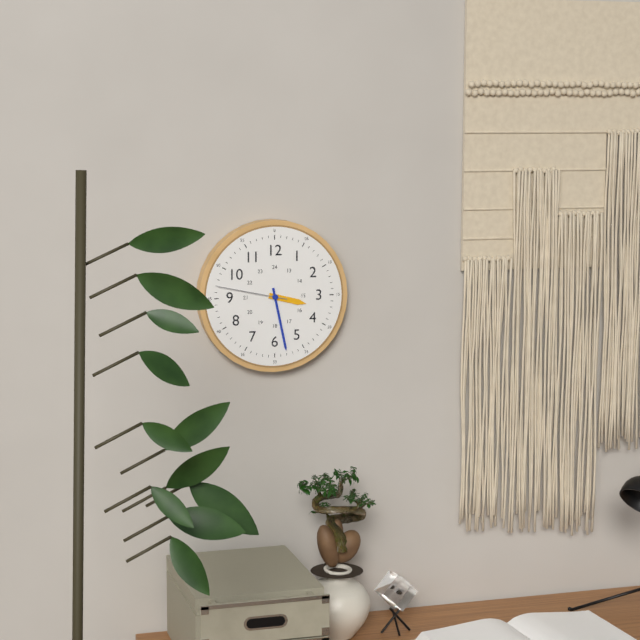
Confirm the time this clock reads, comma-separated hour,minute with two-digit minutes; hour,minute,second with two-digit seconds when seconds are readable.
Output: 3,28,47
